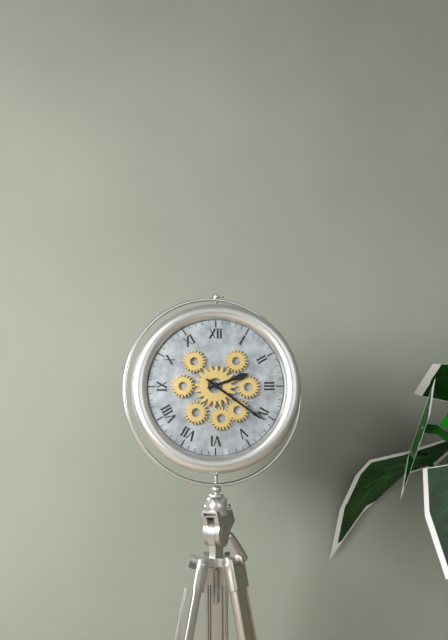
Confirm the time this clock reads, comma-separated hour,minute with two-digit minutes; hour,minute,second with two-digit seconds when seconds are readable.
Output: 2,21
